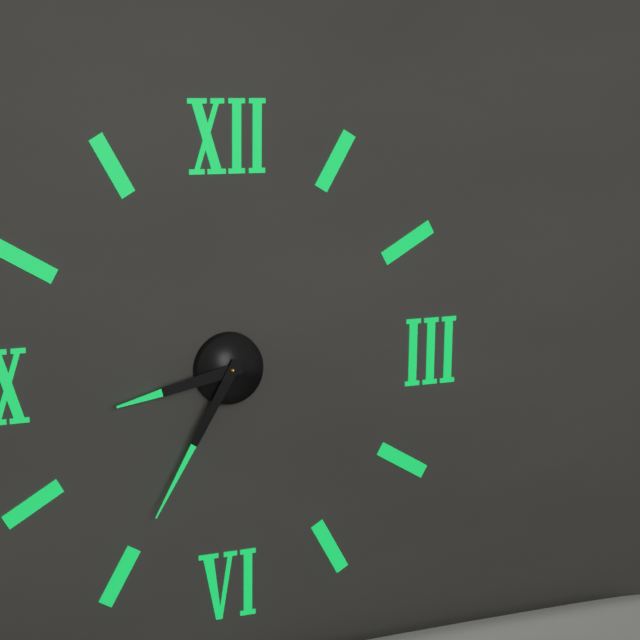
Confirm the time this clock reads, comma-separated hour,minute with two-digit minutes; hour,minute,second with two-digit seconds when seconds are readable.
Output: 8,35
